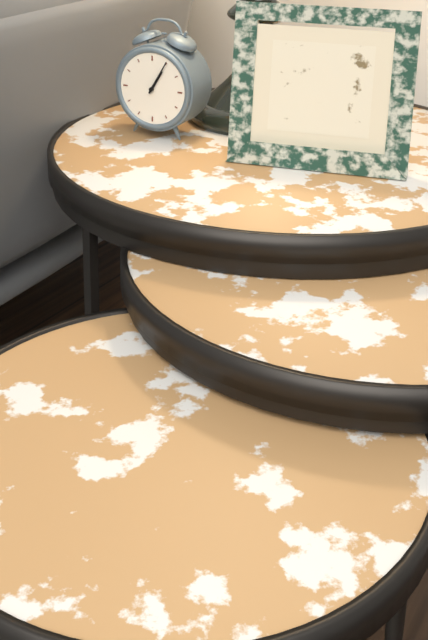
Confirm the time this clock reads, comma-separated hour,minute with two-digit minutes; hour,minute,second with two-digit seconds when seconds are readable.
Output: 1,05
